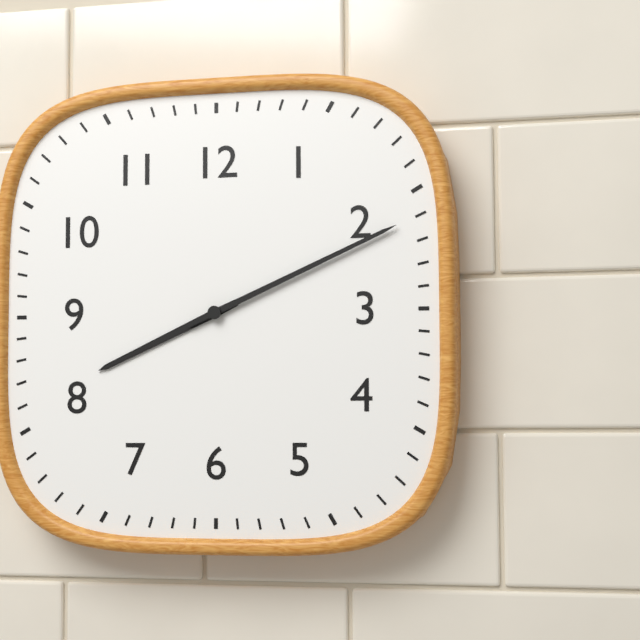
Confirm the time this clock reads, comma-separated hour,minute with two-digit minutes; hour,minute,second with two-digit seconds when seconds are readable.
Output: 8,11
